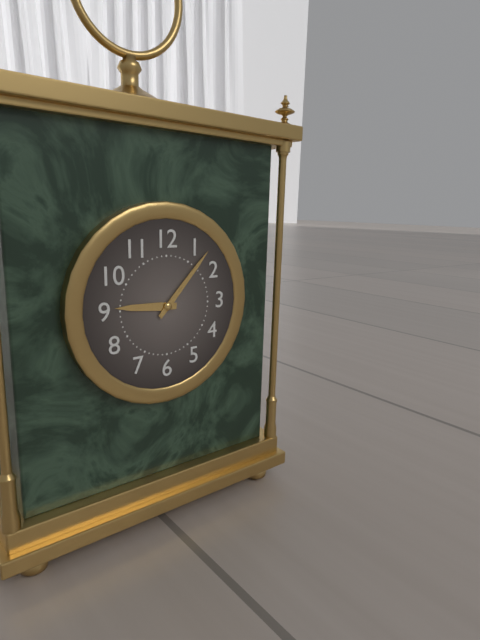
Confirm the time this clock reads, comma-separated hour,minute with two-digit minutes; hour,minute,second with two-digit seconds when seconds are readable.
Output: 9,07
